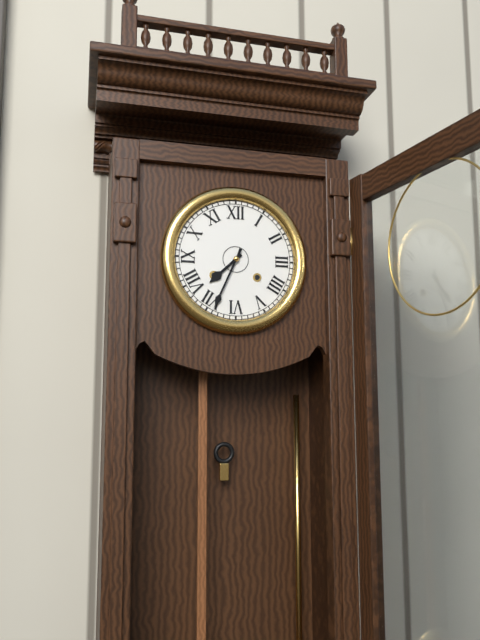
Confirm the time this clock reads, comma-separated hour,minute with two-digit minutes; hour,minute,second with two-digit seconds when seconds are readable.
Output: 7,34
